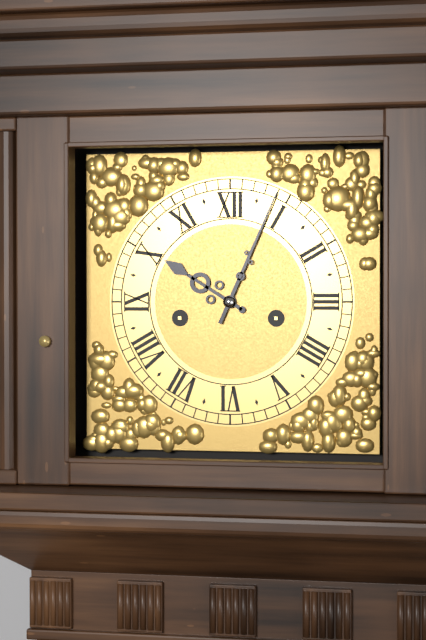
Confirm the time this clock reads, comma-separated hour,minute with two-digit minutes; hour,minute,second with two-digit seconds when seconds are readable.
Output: 10,04
